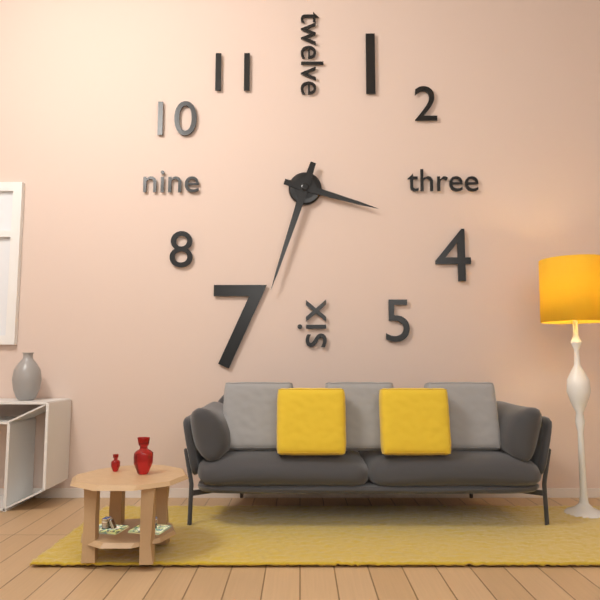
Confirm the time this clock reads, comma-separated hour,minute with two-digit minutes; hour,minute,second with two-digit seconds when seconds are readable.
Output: 3,33
